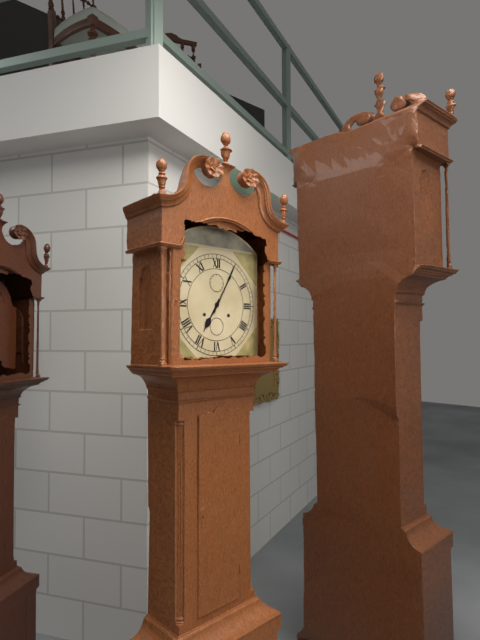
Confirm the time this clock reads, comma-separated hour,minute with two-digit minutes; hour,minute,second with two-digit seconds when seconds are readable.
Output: 7,05
